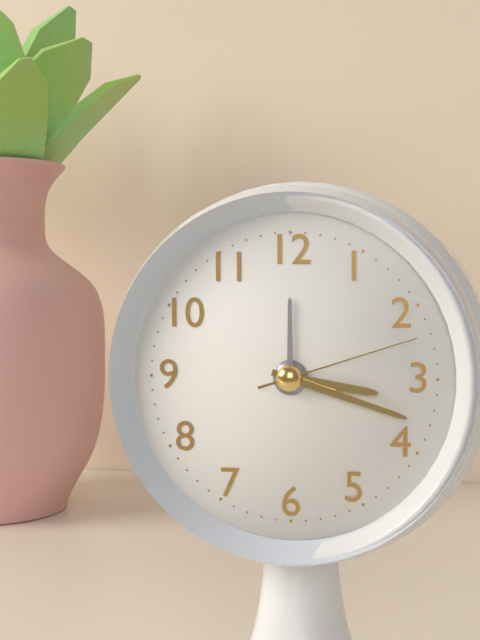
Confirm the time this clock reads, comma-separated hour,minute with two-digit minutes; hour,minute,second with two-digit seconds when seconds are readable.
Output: 3,18,12
